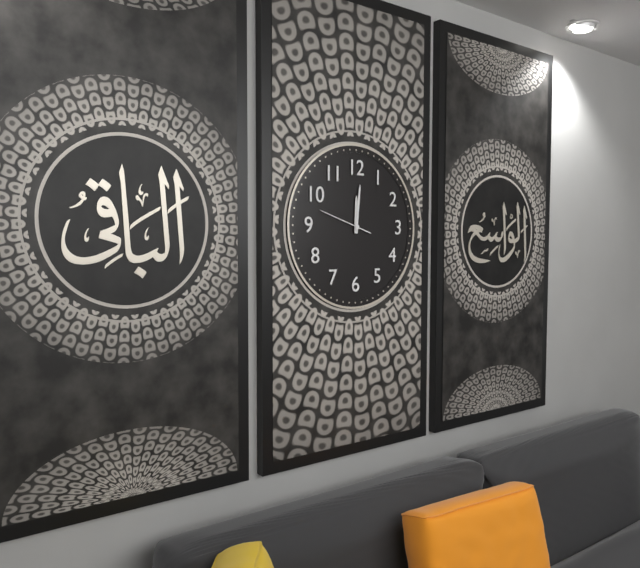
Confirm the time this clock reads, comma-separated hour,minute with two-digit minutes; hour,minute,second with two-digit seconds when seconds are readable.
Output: 12,01,48
